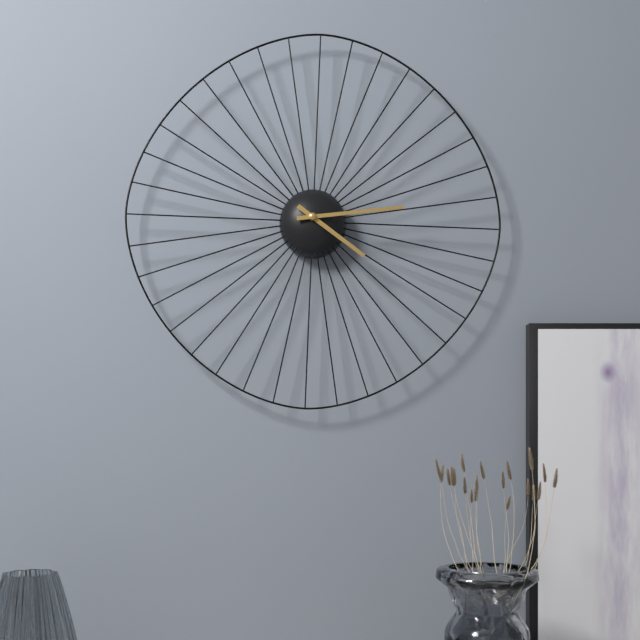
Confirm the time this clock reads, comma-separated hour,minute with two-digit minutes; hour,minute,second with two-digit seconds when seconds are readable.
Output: 4,14
